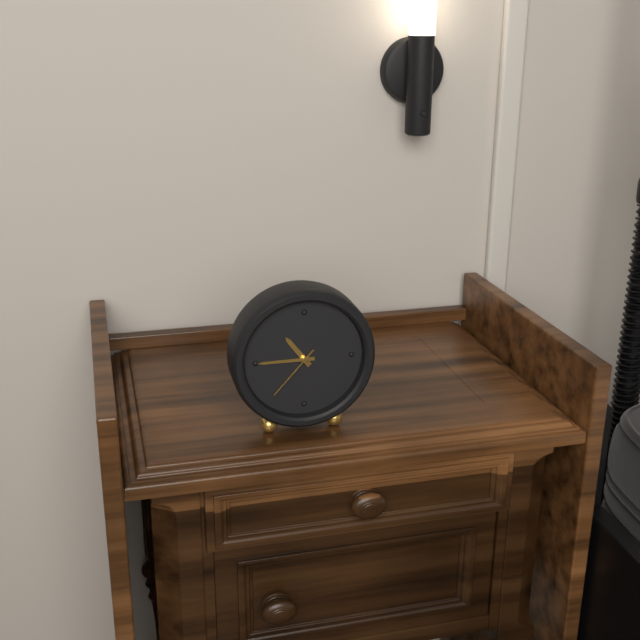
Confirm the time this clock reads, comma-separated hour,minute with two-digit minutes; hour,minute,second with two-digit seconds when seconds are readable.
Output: 10,45,37
